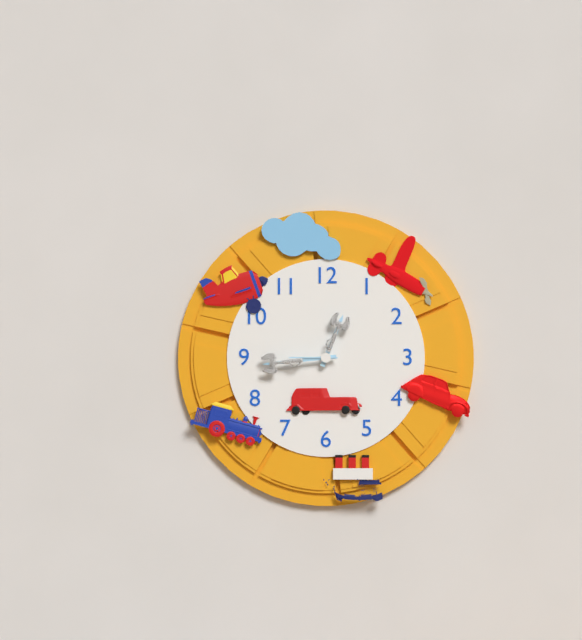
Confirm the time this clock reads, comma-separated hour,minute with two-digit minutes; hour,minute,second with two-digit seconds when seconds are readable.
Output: 12,44
